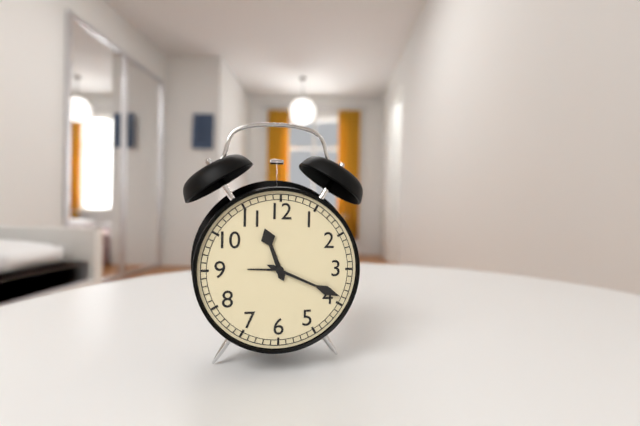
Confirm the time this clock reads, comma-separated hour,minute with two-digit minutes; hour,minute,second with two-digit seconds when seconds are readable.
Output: 11,19
